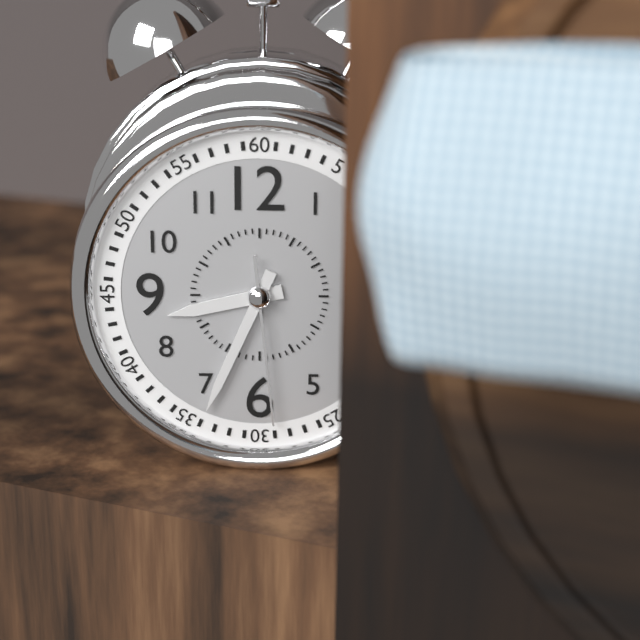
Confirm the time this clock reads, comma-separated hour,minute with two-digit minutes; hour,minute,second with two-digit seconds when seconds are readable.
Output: 8,34,29
